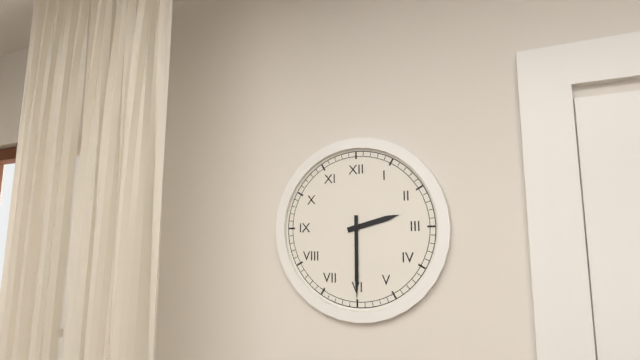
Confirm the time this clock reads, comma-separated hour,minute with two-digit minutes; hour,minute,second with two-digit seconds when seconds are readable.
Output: 2,30
